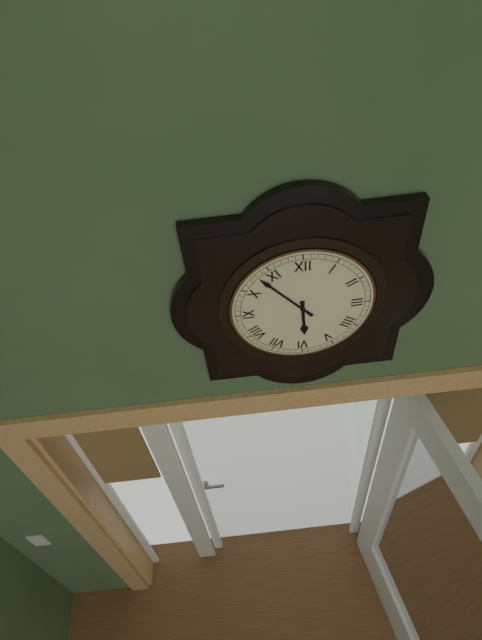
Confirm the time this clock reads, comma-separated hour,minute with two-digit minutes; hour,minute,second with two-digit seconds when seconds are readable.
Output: 5,53
